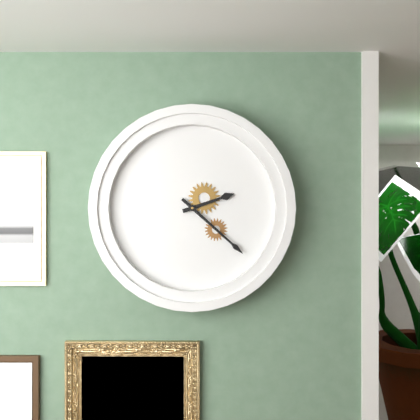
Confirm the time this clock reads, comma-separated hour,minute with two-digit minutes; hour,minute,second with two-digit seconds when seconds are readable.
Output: 2,22
